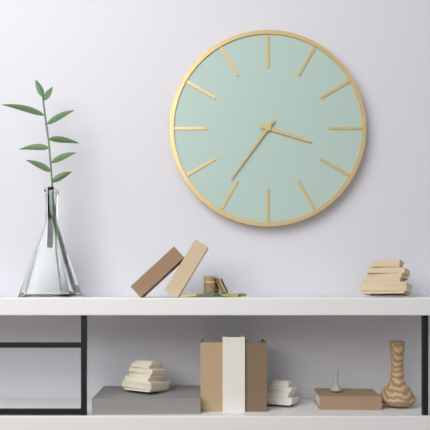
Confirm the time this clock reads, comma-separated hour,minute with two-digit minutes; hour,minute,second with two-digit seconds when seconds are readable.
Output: 3,36
